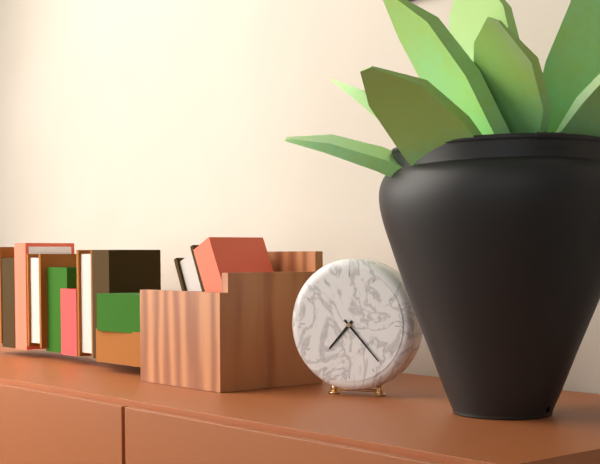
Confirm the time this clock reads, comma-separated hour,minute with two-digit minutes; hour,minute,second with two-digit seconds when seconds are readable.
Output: 7,23
